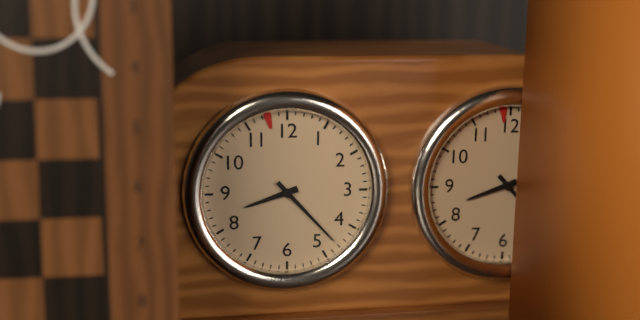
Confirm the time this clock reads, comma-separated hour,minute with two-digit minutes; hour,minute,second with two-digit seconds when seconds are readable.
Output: 8,23
